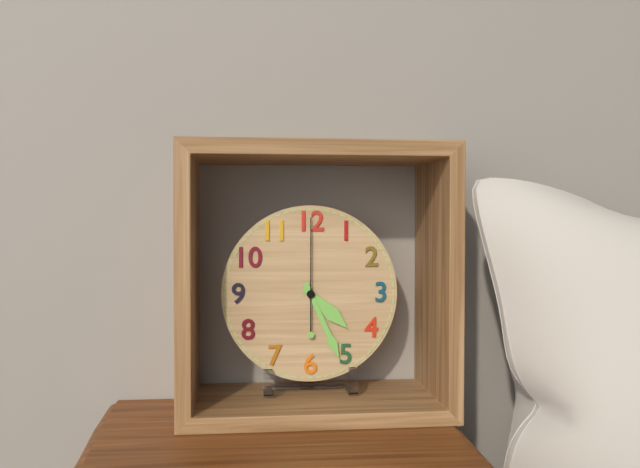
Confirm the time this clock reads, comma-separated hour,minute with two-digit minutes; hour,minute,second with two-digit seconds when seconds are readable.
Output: 4,26,00
